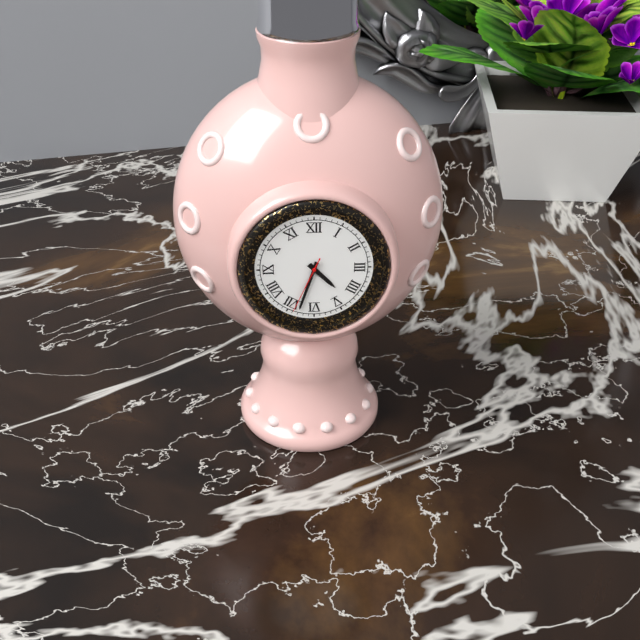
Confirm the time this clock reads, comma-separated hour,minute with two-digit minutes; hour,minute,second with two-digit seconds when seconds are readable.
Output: 4,33,34
